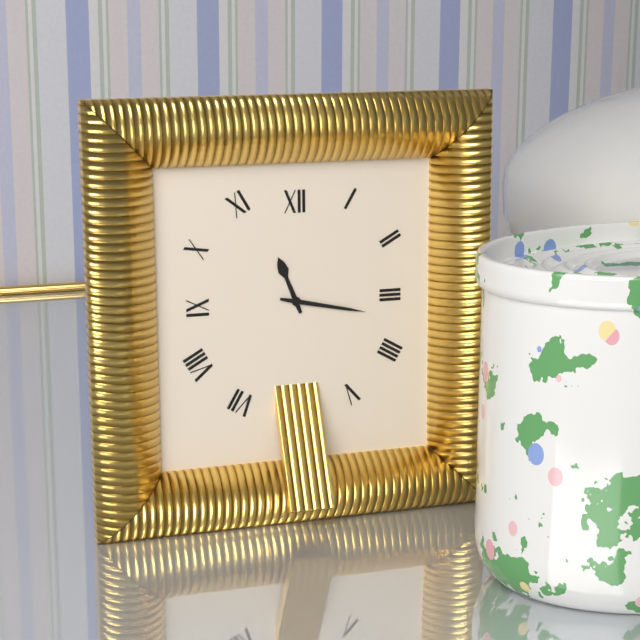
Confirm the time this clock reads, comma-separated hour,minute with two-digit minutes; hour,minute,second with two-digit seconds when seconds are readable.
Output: 11,17
